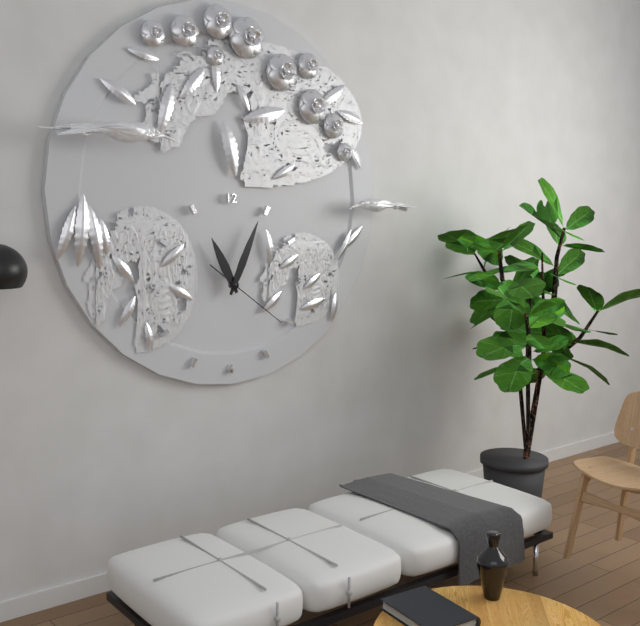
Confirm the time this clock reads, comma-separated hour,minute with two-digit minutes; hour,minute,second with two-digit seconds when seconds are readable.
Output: 11,04,21
